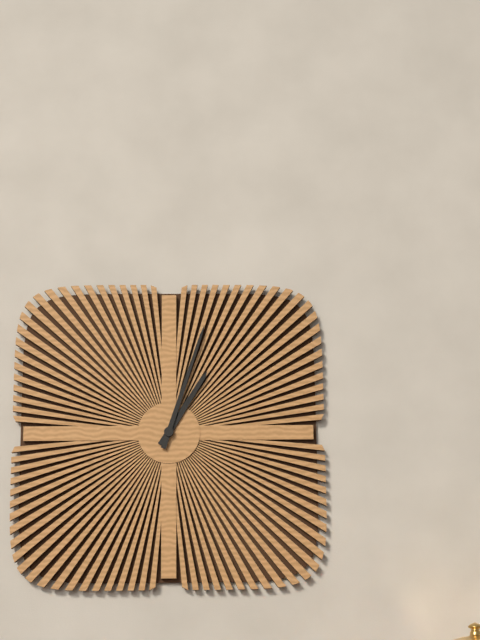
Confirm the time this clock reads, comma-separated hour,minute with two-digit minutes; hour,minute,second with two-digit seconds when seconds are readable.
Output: 1,03
